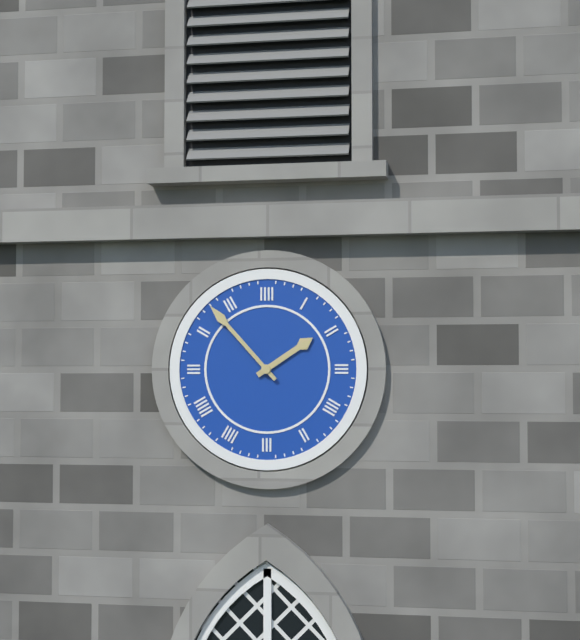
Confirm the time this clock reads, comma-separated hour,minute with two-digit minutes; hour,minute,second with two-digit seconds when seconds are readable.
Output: 1,53
